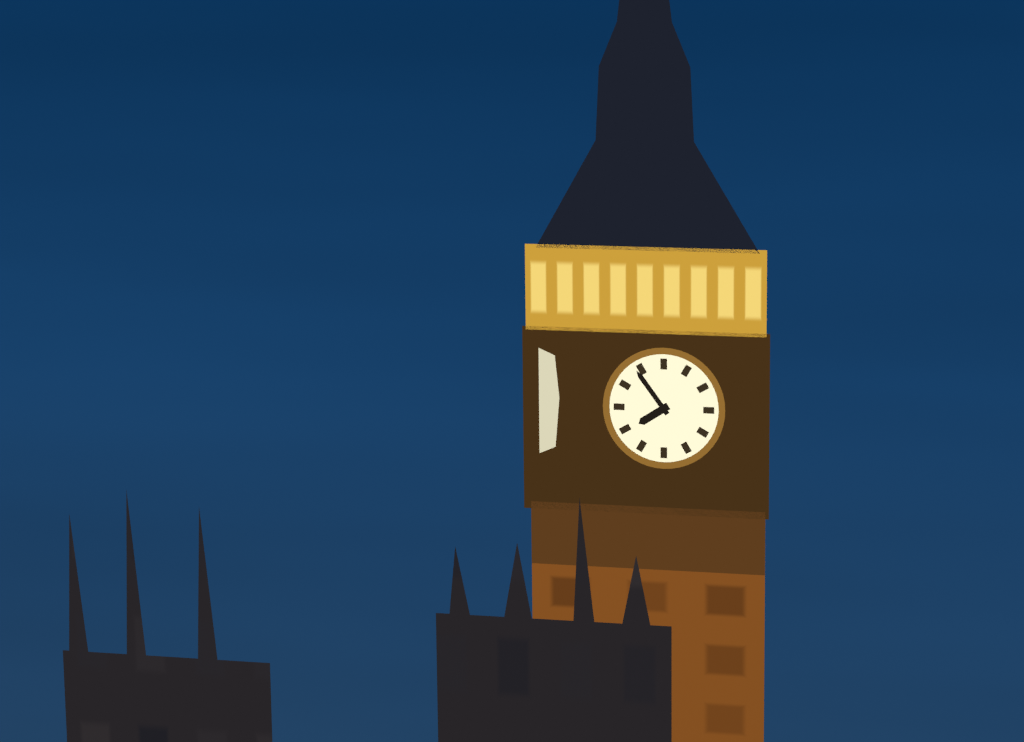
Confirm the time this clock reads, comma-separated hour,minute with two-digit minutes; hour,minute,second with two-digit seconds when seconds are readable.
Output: 7,54
